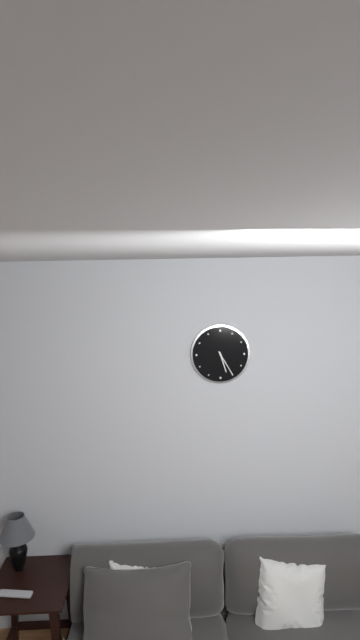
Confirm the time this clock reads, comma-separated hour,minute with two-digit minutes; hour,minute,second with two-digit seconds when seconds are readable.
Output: 5,25
